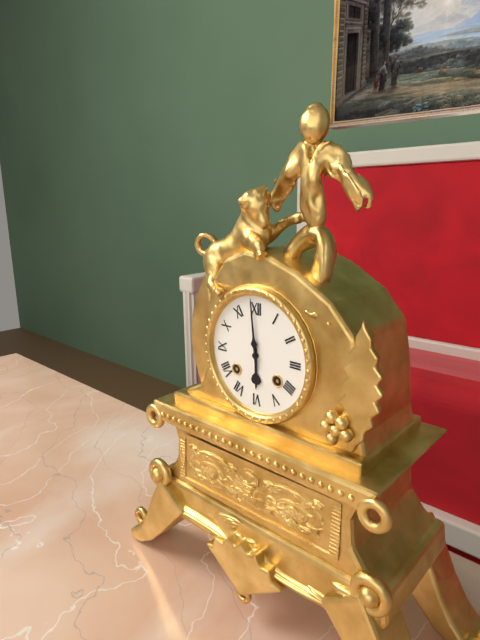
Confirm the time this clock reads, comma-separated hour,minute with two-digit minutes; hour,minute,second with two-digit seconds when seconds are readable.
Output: 5,59
